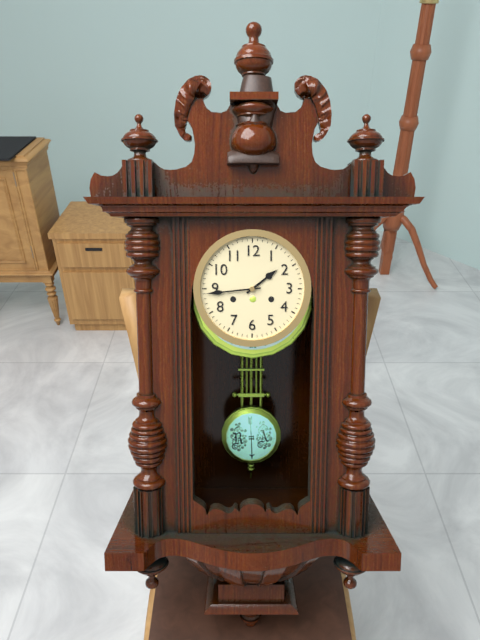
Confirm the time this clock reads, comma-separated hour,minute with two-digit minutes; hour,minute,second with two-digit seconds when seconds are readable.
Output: 1,44
